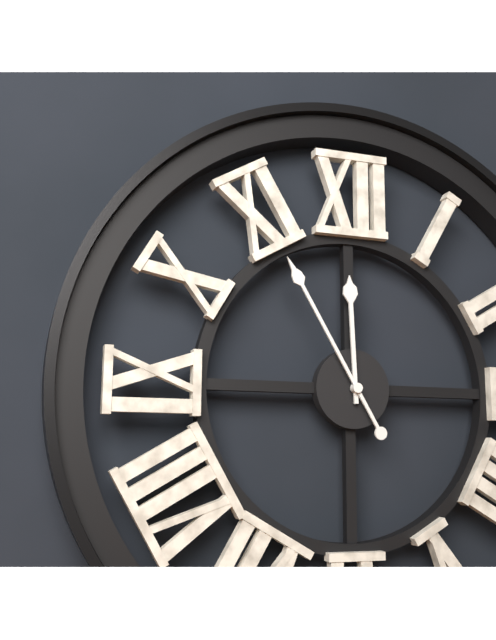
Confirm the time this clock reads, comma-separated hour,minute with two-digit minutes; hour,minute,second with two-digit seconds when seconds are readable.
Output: 11,55
